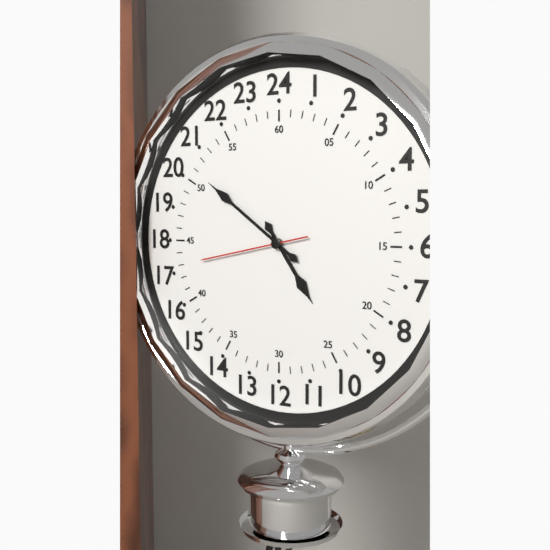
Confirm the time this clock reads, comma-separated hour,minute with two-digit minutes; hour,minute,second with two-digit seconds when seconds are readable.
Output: 4,51,43
